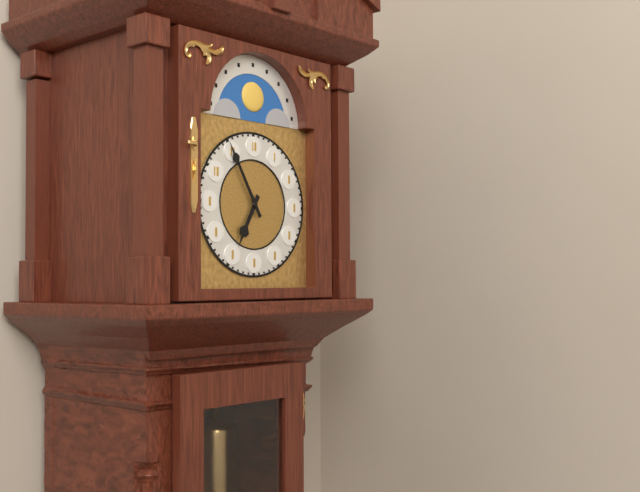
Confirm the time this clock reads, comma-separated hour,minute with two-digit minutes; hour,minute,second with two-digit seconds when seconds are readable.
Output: 6,55
